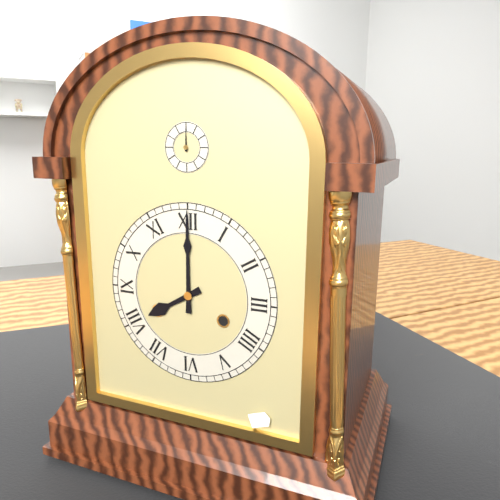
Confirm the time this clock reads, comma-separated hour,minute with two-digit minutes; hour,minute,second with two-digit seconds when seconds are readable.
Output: 8,00
